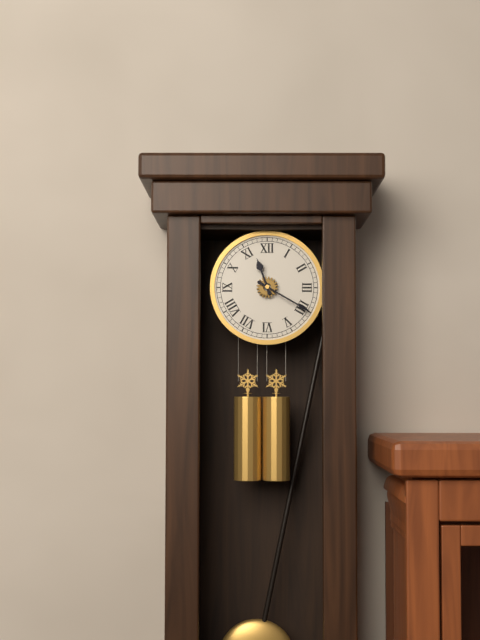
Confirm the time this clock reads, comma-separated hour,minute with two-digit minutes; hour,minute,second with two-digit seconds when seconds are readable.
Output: 11,20
